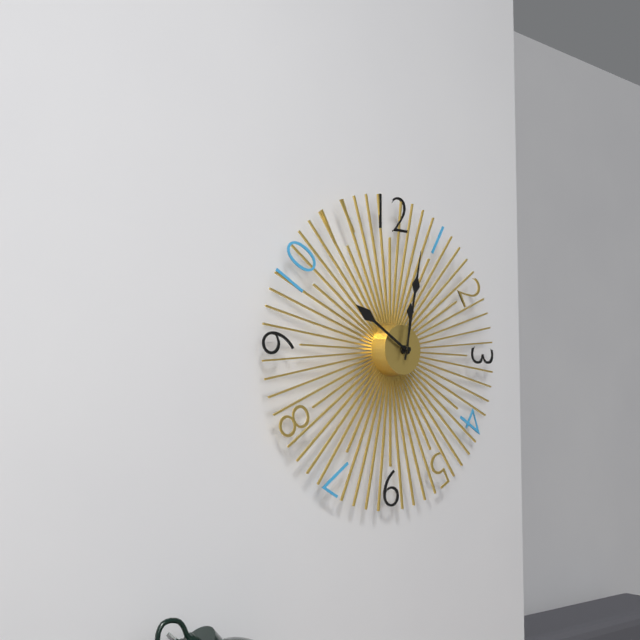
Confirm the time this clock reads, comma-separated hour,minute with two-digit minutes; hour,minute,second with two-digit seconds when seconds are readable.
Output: 10,02,01
